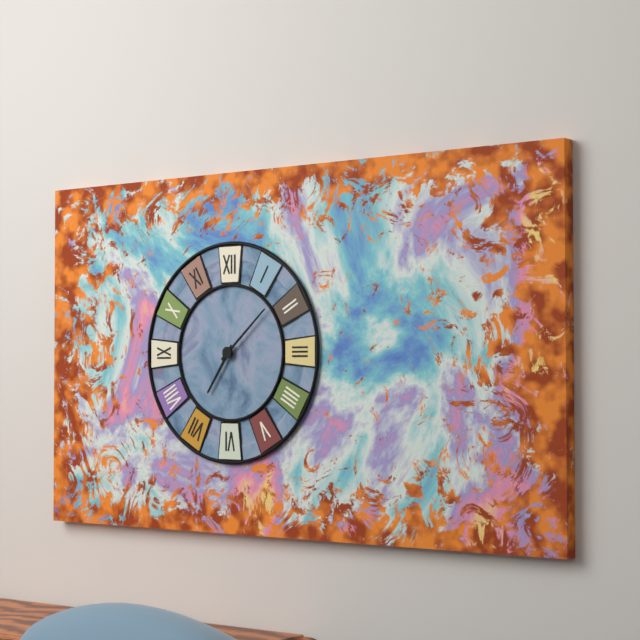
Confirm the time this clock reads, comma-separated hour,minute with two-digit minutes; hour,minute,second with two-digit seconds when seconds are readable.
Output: 7,08
